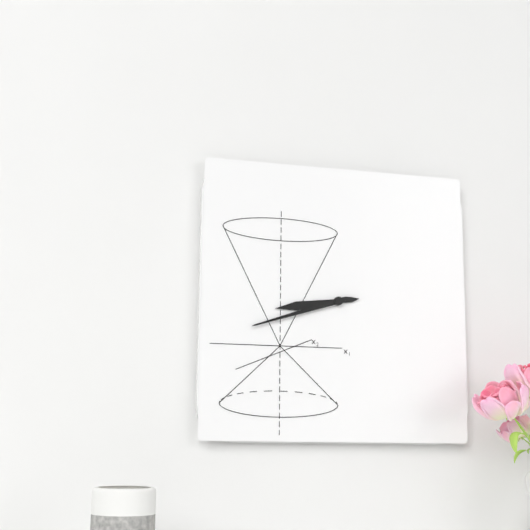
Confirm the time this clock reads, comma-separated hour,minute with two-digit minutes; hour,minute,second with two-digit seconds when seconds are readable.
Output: 8,42
